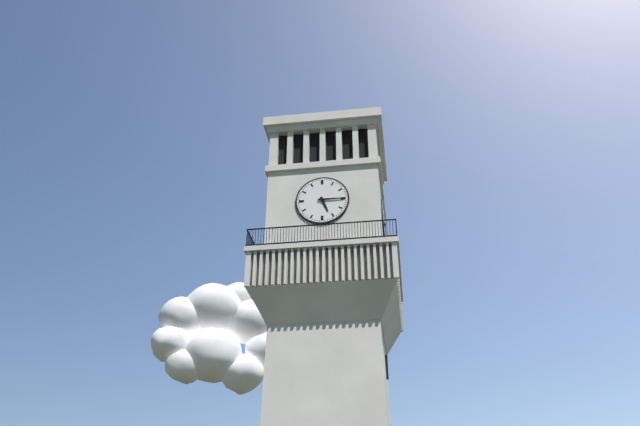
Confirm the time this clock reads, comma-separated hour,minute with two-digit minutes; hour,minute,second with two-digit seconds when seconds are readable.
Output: 5,15
